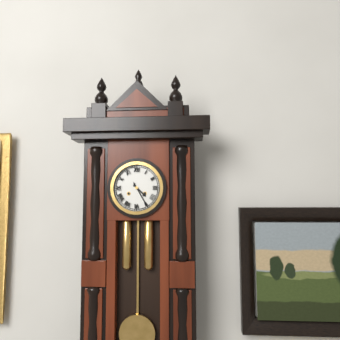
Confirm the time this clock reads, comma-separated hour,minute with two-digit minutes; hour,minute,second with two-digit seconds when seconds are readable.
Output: 4,25
